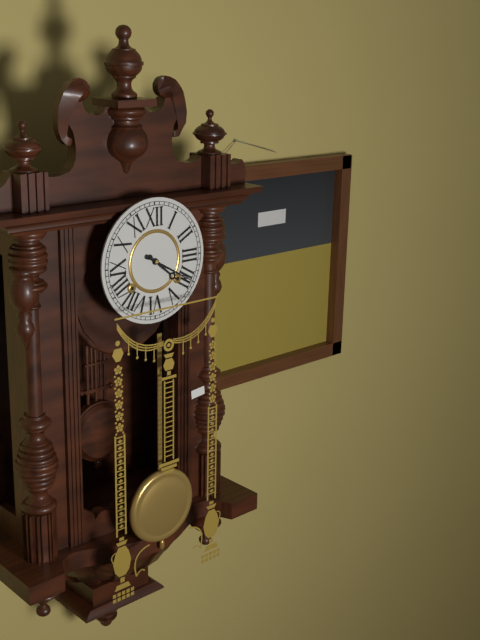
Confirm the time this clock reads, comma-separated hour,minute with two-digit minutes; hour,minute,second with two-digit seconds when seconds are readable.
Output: 4,20
